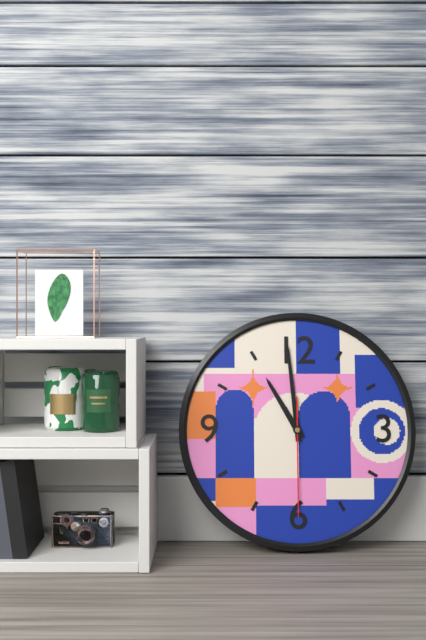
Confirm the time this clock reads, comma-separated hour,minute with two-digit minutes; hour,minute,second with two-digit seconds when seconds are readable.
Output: 10,59,30
